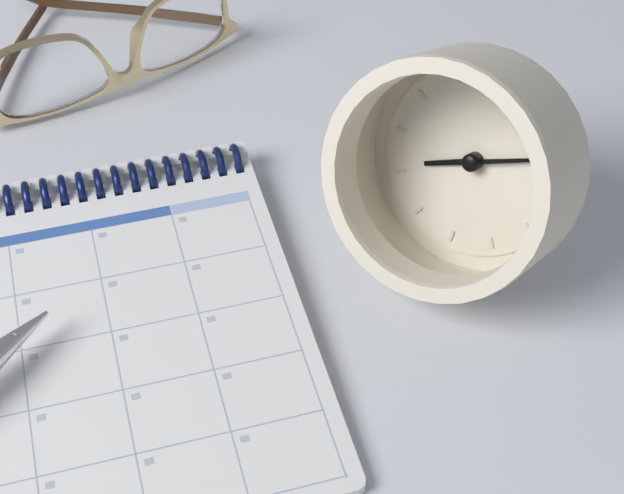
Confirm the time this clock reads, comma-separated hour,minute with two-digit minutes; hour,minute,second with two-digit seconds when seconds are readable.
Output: 8,11
